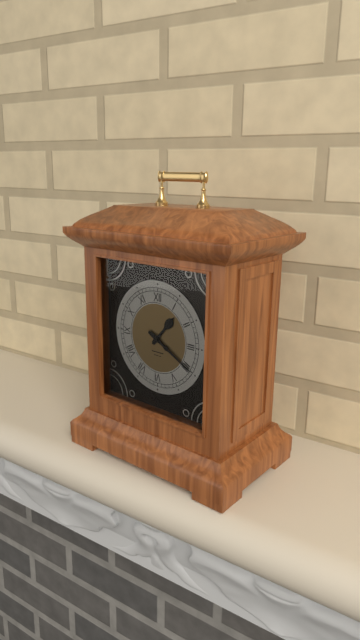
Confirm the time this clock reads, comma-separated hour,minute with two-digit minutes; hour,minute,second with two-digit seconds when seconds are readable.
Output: 1,20
